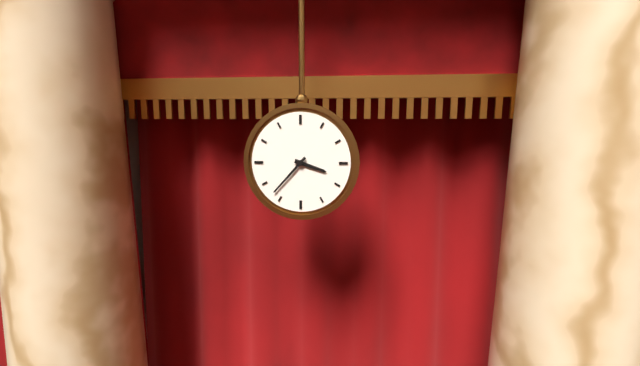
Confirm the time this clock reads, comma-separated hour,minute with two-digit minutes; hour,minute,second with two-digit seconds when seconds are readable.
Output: 3,37
